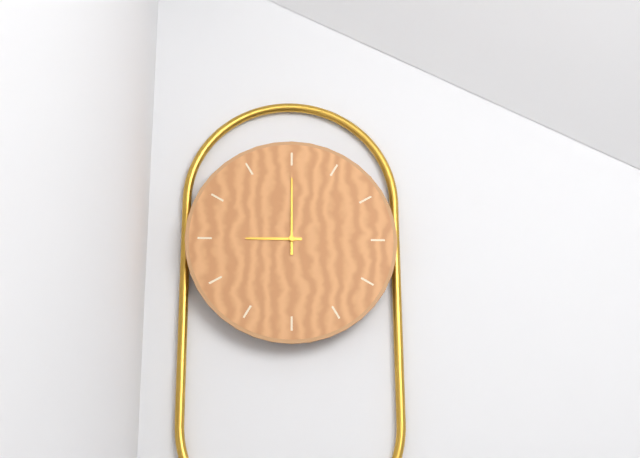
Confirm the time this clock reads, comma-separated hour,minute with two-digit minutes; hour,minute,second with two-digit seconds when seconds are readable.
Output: 9,00
